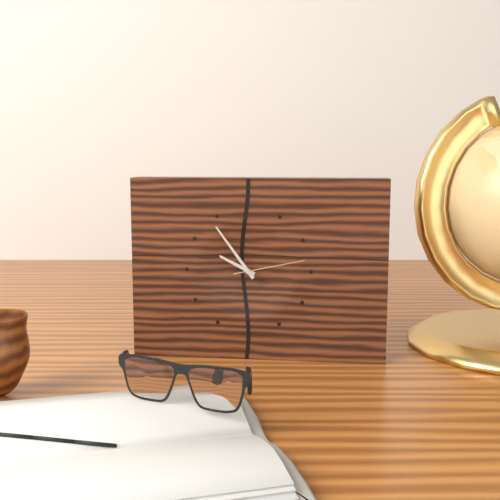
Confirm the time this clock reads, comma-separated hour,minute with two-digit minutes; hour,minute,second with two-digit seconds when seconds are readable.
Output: 9,54,13
